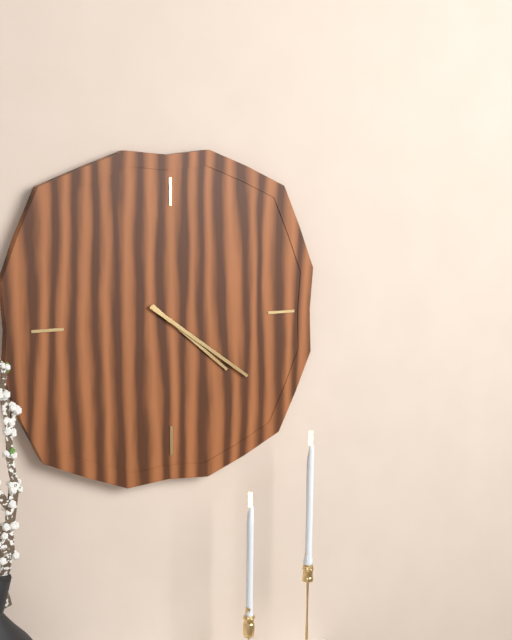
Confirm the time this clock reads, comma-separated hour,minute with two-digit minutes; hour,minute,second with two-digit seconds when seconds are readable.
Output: 4,21
